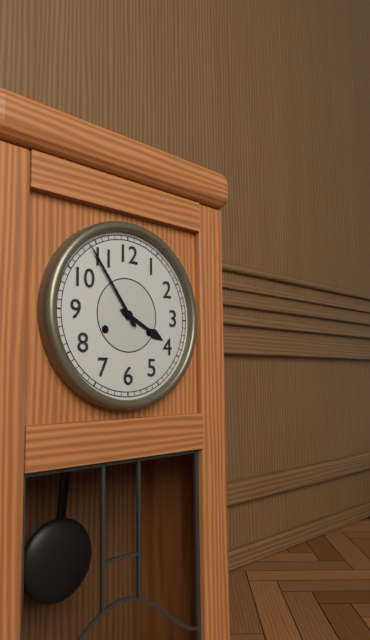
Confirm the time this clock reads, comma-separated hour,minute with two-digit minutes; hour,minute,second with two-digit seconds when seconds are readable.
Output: 3,54
